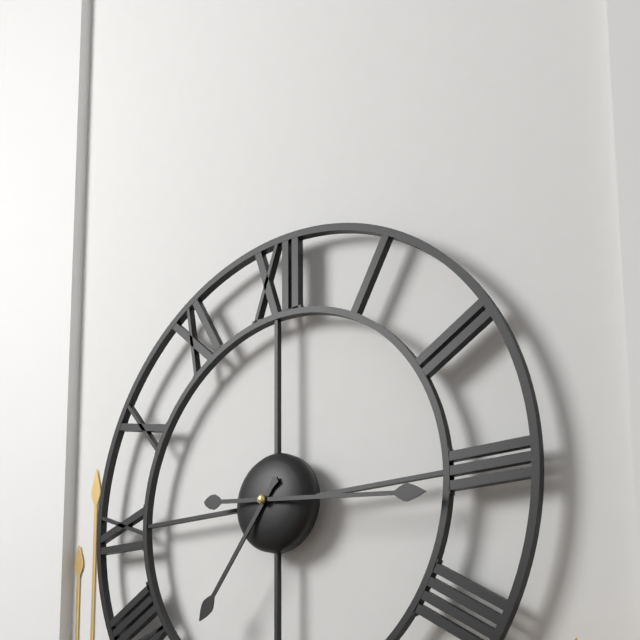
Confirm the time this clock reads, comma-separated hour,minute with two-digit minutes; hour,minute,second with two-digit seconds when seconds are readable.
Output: 7,16
